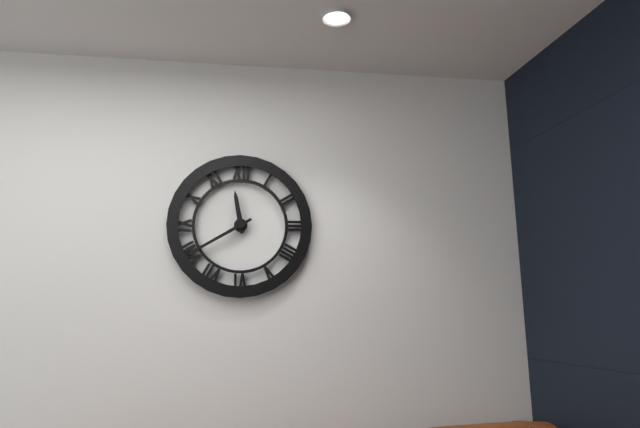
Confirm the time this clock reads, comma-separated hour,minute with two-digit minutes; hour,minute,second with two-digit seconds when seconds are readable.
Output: 11,40
